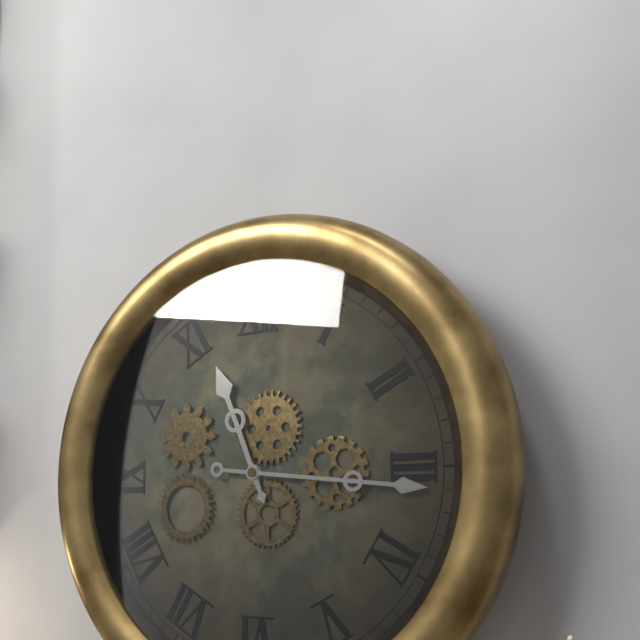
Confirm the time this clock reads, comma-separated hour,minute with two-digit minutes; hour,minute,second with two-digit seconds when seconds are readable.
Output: 11,16
